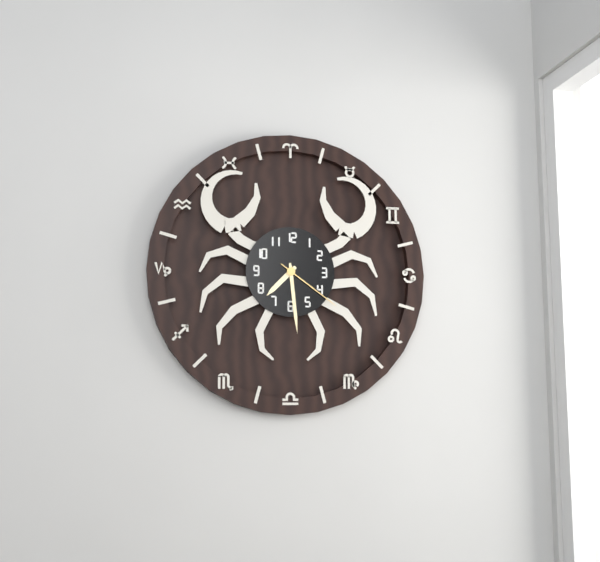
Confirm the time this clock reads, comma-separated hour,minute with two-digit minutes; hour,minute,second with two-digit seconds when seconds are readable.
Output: 7,29,21
